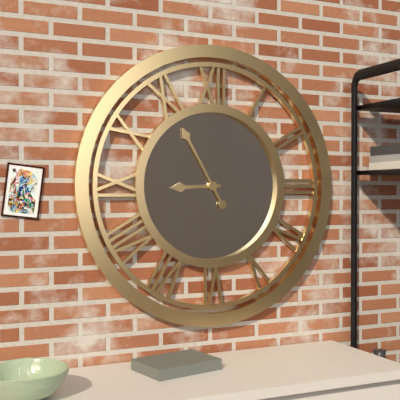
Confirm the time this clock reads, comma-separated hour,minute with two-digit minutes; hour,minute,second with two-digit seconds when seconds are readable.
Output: 8,55
